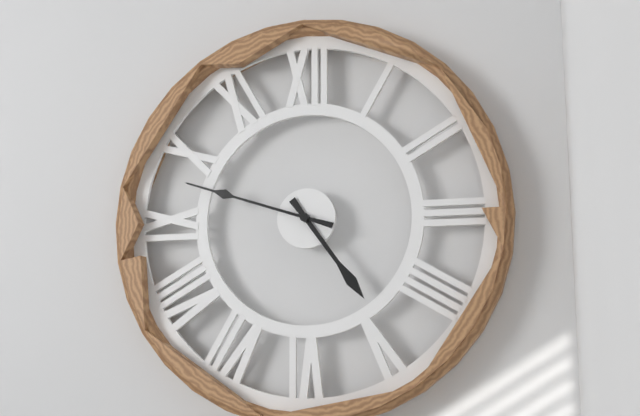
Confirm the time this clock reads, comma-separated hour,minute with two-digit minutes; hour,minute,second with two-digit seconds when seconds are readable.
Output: 4,48
